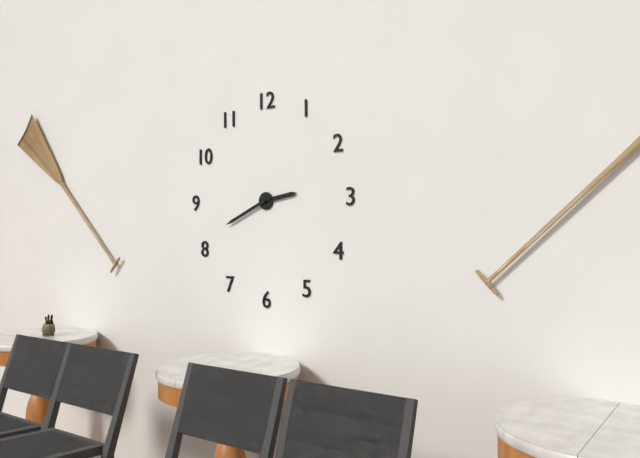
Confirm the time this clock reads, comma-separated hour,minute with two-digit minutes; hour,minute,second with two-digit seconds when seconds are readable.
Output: 2,41
